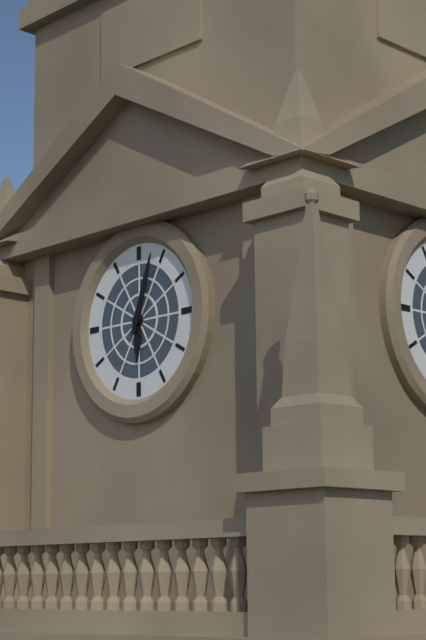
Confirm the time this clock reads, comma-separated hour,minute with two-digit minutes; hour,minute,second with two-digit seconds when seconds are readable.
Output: 6,03
